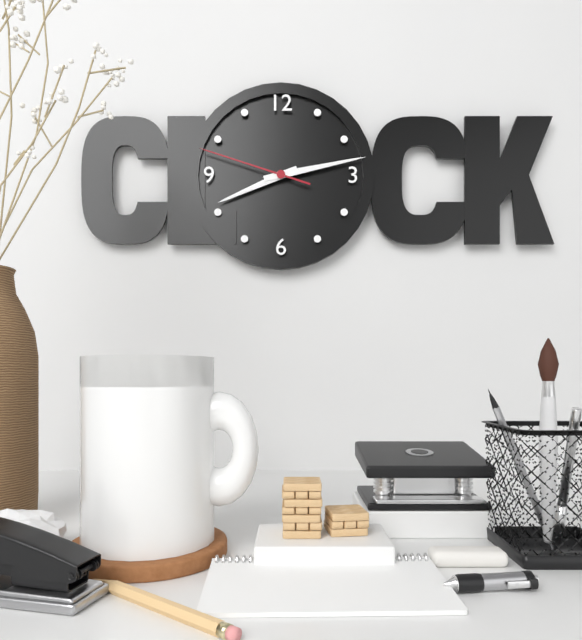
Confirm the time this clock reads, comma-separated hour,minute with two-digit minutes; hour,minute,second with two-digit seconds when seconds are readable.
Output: 8,13,48
